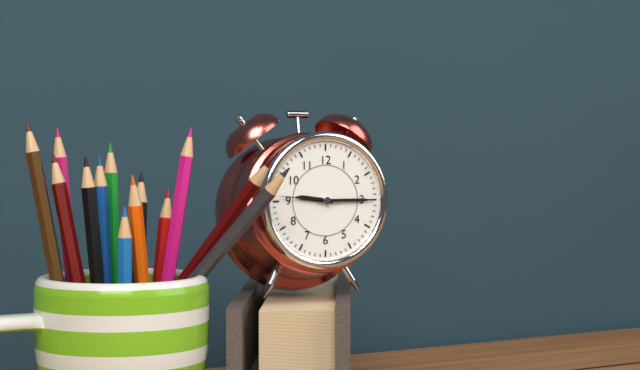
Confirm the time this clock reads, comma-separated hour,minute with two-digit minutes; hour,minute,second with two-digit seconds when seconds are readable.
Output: 9,15,46
